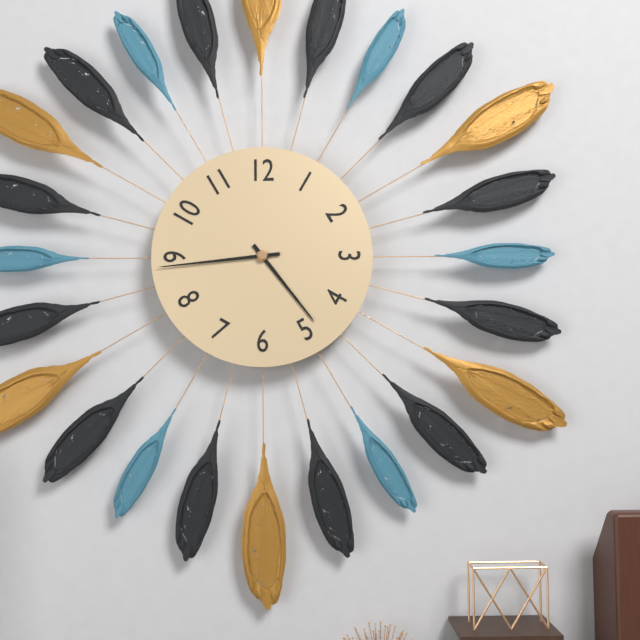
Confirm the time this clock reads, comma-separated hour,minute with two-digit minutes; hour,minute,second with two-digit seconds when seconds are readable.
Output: 4,44
